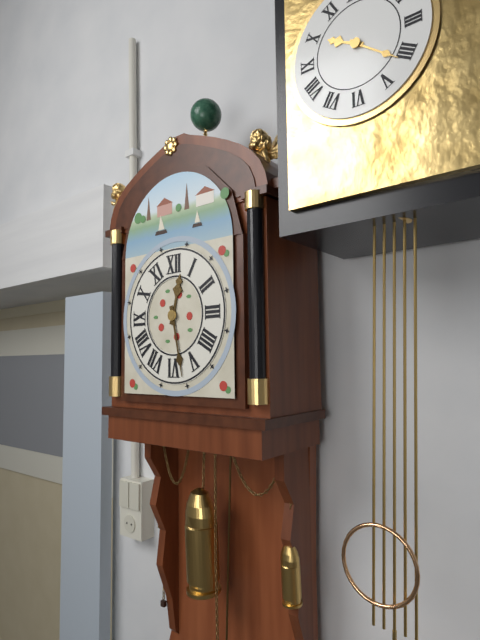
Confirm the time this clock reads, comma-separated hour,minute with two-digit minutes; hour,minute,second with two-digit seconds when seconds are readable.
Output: 12,28
